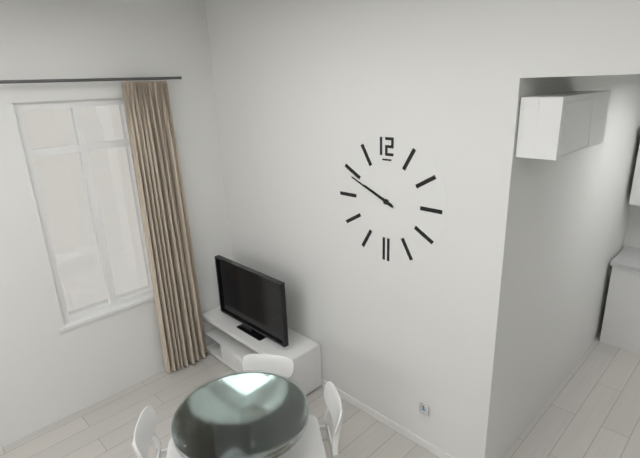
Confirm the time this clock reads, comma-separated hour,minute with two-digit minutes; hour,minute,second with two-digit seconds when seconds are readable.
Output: 9,49
